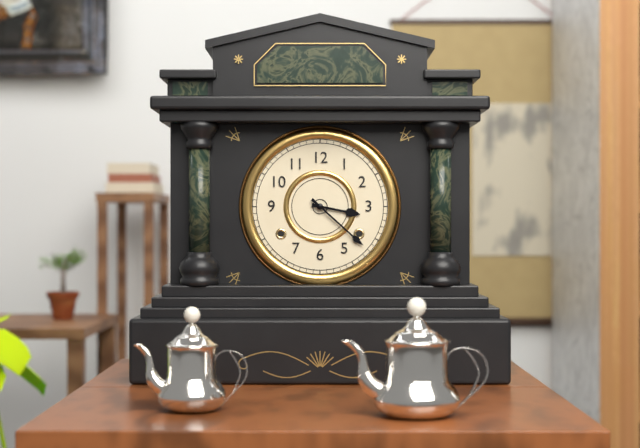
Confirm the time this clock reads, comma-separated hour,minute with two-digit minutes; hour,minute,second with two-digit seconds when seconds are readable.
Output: 3,22
